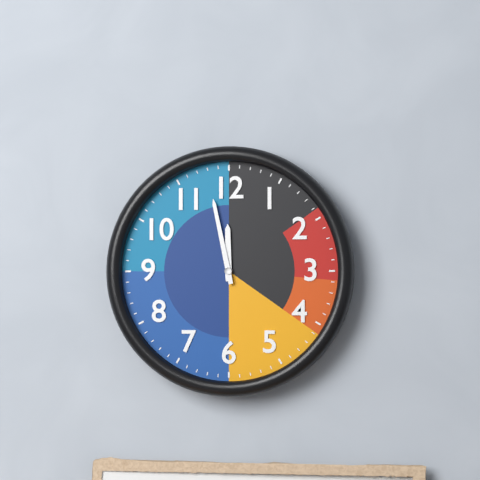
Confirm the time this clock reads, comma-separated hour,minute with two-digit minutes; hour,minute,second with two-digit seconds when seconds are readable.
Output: 11,58
